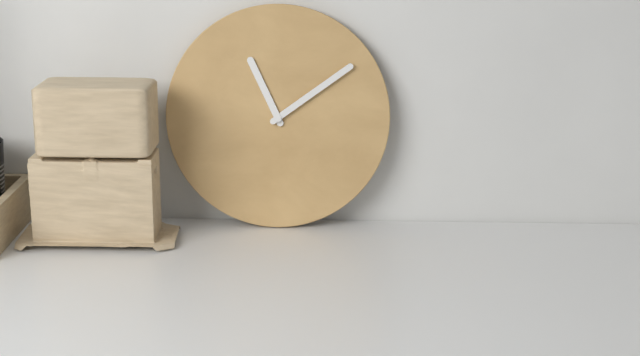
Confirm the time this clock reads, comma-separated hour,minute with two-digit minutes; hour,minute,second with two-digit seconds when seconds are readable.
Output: 11,09
